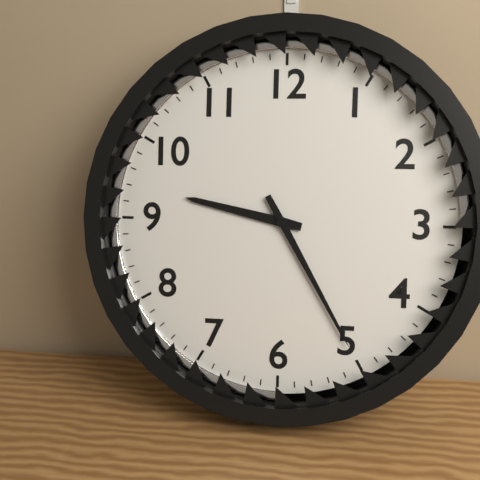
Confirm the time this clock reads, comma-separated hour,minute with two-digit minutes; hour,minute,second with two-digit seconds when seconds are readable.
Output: 9,25
